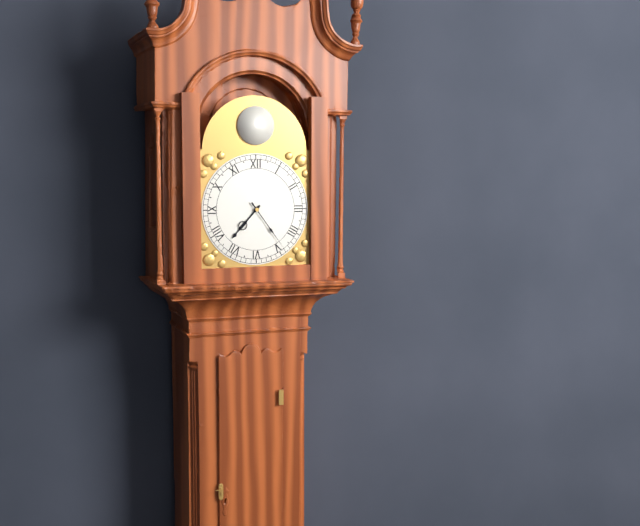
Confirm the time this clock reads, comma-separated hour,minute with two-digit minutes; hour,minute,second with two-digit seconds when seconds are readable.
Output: 7,24
